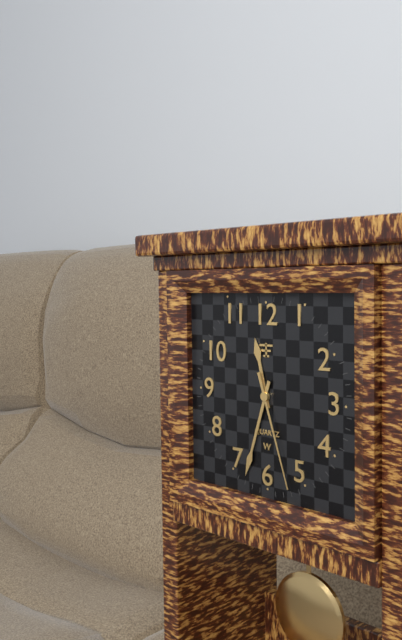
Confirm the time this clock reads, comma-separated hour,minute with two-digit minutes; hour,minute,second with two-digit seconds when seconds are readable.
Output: 11,33,27
